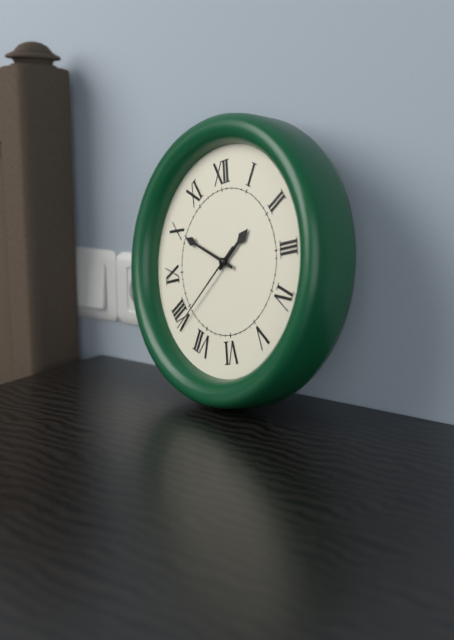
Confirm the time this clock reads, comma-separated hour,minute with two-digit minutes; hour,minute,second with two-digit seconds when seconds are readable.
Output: 1,50,39
